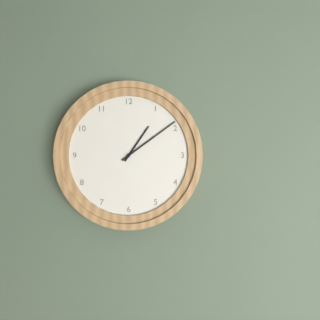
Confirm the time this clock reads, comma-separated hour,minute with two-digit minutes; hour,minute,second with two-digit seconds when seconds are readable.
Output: 1,09
